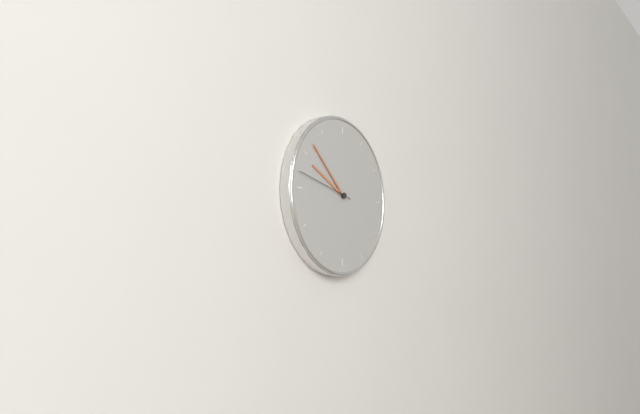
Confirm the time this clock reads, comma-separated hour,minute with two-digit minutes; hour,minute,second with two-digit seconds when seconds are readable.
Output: 9,52,47
